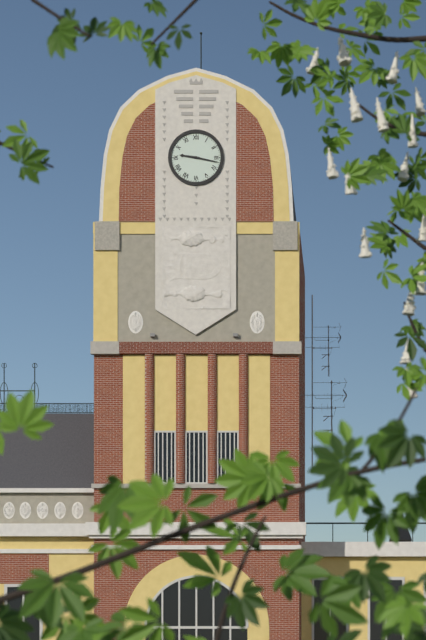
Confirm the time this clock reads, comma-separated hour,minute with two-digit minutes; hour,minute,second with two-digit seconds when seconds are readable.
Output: 9,17
